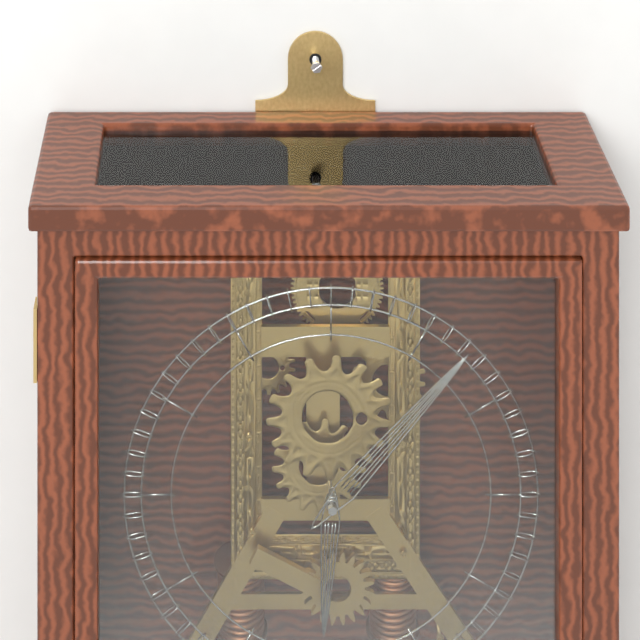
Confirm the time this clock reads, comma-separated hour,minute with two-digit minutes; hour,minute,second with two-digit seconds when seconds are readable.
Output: 6,07
